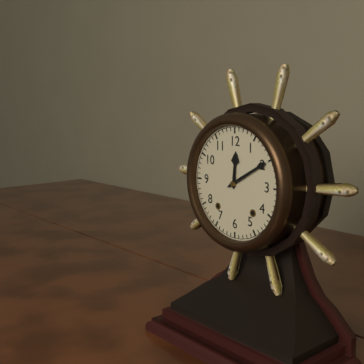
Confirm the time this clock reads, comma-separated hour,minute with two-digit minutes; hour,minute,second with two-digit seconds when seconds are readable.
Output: 12,10
